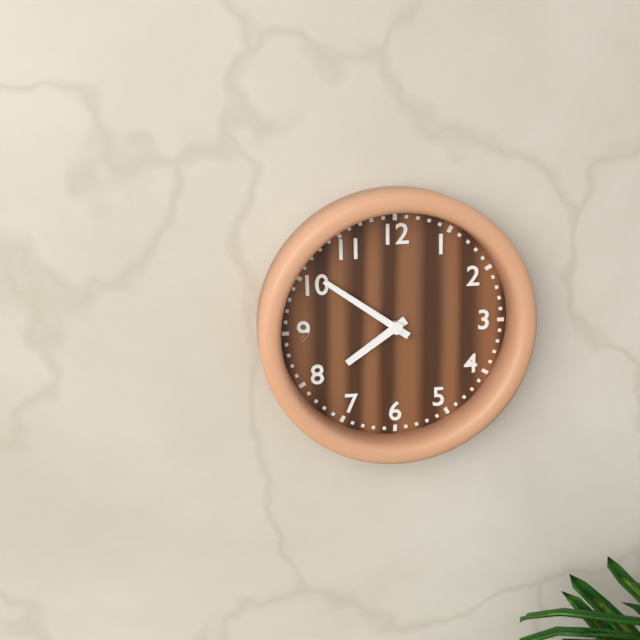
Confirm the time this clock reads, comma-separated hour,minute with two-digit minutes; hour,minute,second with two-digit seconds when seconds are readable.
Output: 7,51
